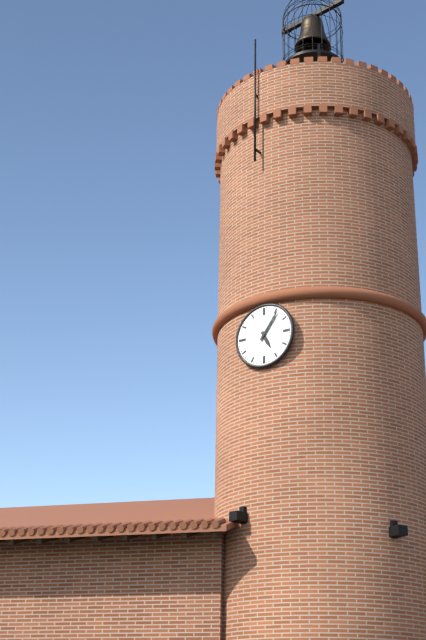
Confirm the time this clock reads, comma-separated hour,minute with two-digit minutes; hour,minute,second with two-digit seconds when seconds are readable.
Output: 5,06
